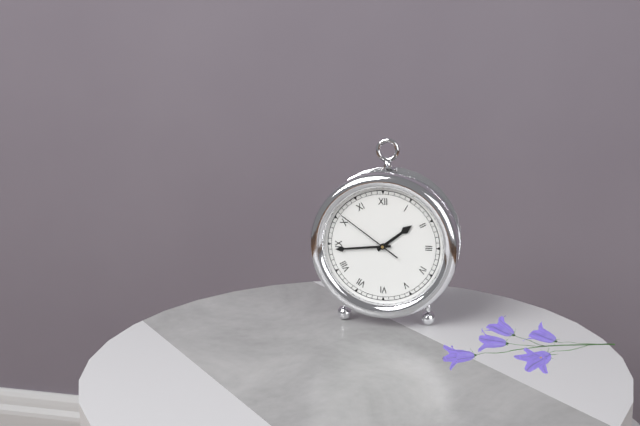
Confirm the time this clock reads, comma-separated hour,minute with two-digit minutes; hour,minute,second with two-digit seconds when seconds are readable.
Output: 1,44,51
